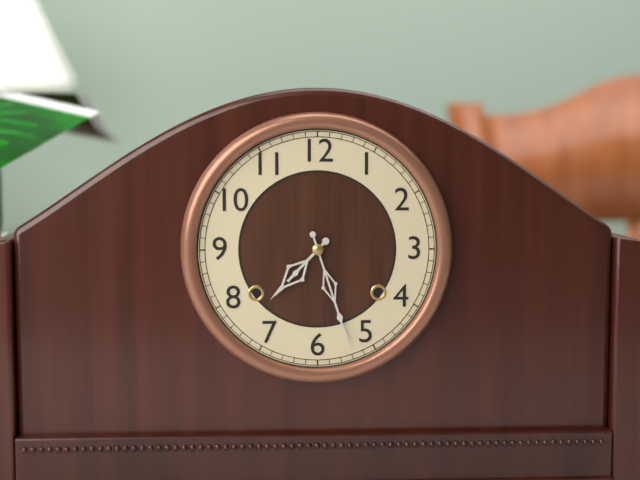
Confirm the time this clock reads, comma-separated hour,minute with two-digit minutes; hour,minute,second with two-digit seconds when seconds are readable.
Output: 7,27
